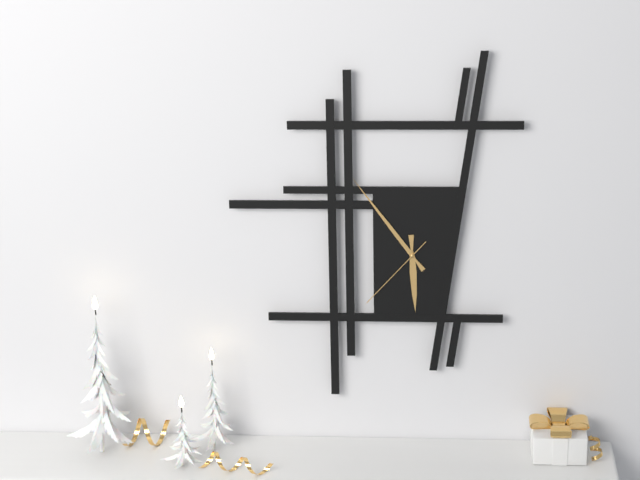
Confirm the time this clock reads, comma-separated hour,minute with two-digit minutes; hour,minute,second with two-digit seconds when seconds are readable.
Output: 5,54,37
